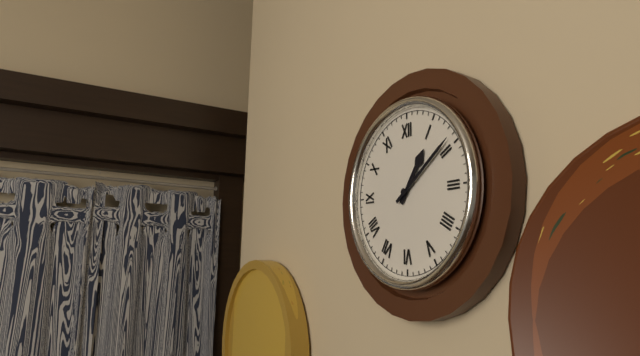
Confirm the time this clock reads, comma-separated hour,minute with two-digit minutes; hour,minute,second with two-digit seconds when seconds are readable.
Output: 1,09
